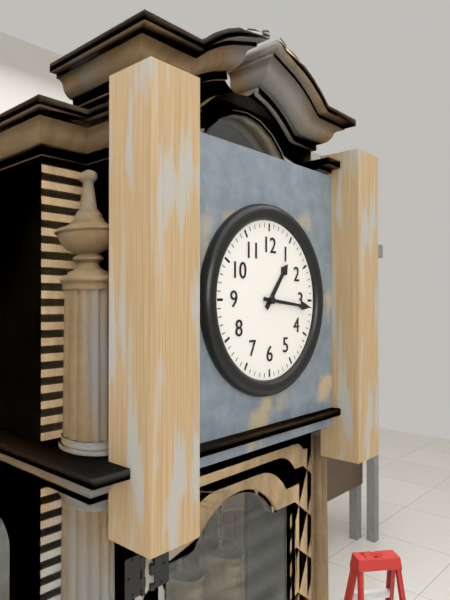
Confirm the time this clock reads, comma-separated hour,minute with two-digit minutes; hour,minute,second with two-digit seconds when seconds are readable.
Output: 1,16
